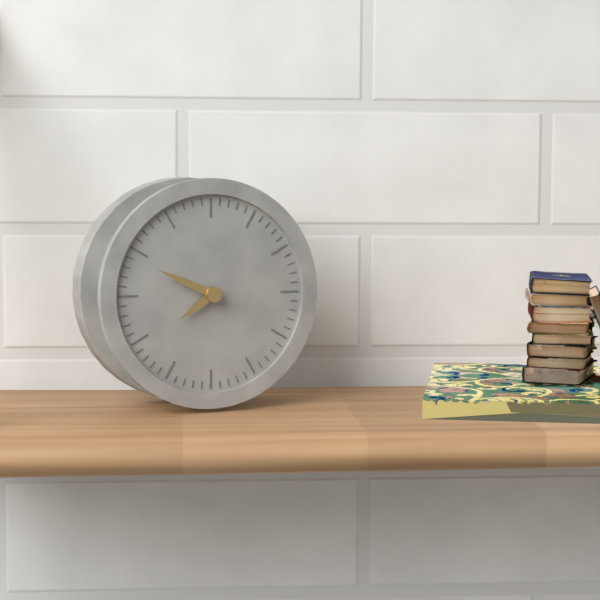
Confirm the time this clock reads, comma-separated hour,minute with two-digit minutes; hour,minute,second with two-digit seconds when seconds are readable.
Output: 7,49
